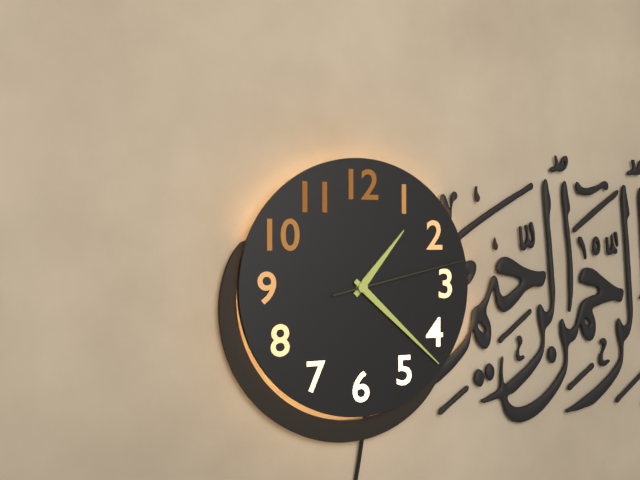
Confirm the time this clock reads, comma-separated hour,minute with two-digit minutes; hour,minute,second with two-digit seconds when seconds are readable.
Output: 1,22,13
